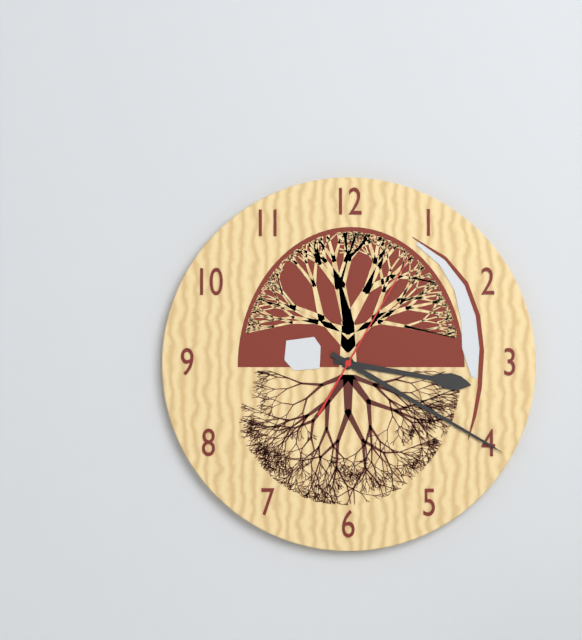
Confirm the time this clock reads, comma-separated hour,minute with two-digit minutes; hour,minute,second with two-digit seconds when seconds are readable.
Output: 3,20,05
